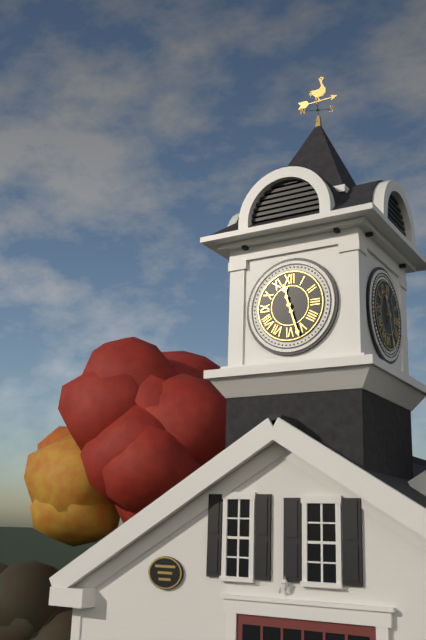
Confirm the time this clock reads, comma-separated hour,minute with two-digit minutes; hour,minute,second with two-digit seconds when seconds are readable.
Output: 11,27
